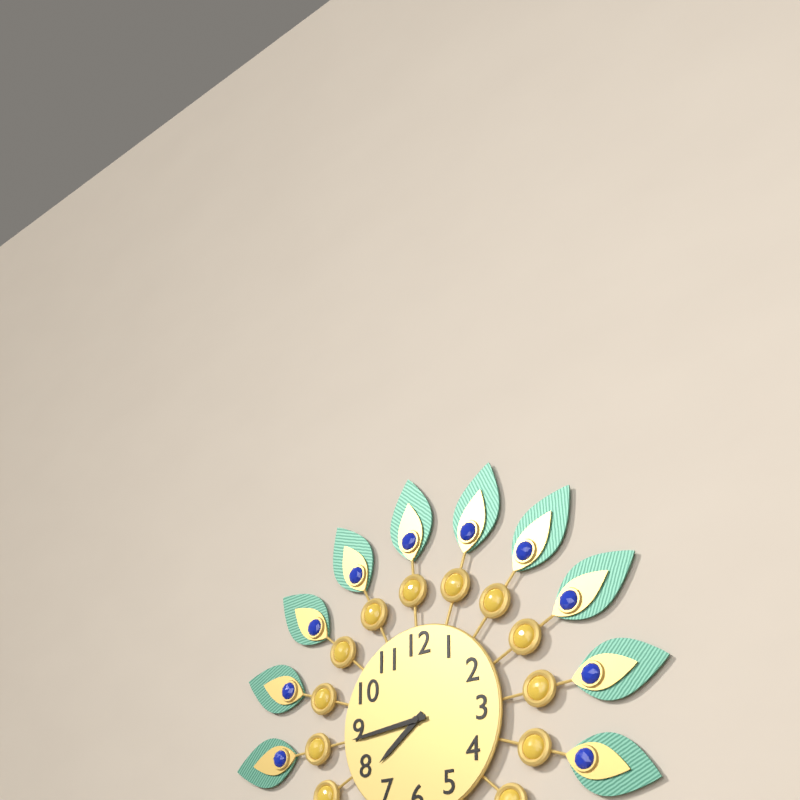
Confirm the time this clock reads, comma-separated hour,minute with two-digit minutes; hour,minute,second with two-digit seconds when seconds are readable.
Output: 7,44
